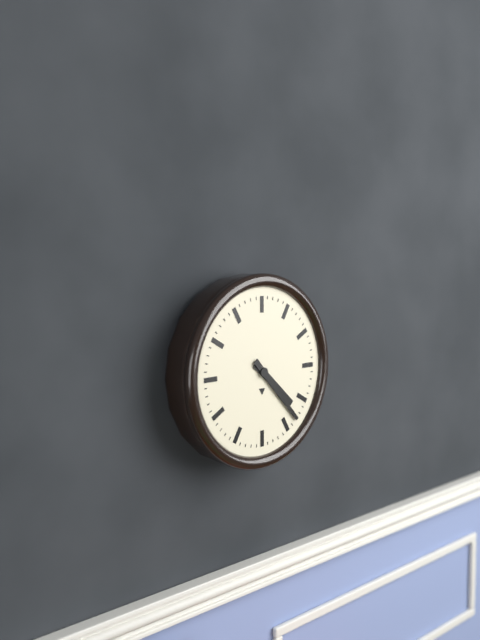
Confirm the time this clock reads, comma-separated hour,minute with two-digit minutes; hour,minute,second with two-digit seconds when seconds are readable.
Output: 4,23
